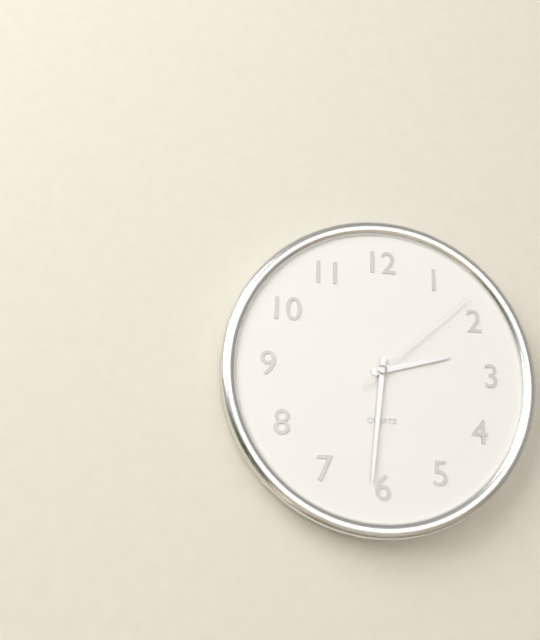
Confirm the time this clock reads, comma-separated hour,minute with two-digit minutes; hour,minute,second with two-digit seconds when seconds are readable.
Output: 2,31,08
